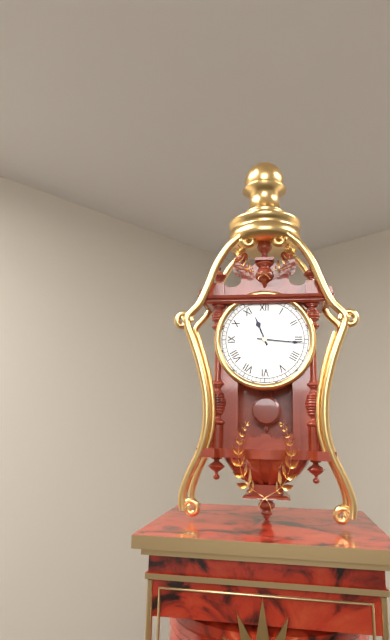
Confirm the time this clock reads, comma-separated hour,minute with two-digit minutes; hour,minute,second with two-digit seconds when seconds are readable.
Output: 11,16
